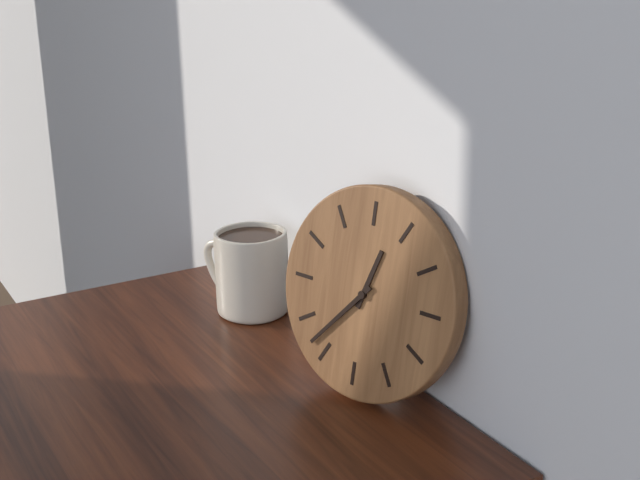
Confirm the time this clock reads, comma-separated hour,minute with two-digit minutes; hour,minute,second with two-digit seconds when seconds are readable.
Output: 12,37
